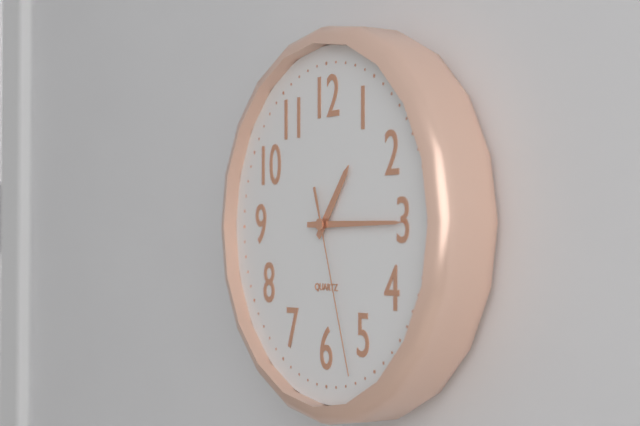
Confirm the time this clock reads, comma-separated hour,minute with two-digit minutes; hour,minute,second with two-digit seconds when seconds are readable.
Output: 1,15,27
